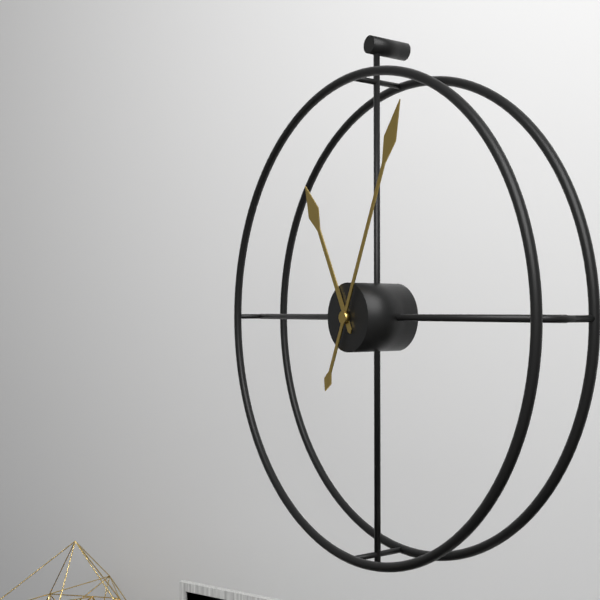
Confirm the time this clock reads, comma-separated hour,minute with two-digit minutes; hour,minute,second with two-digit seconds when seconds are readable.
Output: 11,04
